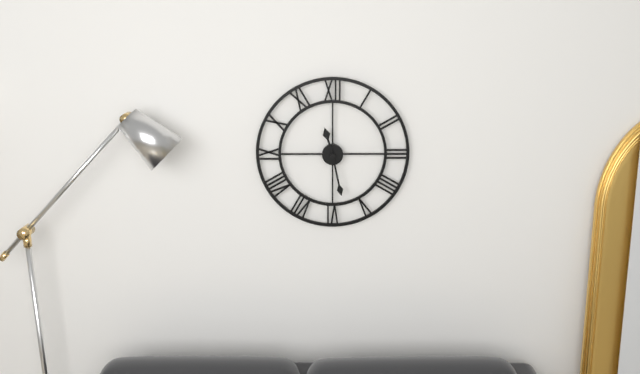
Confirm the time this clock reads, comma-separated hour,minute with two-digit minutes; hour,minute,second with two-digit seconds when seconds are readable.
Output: 11,28
